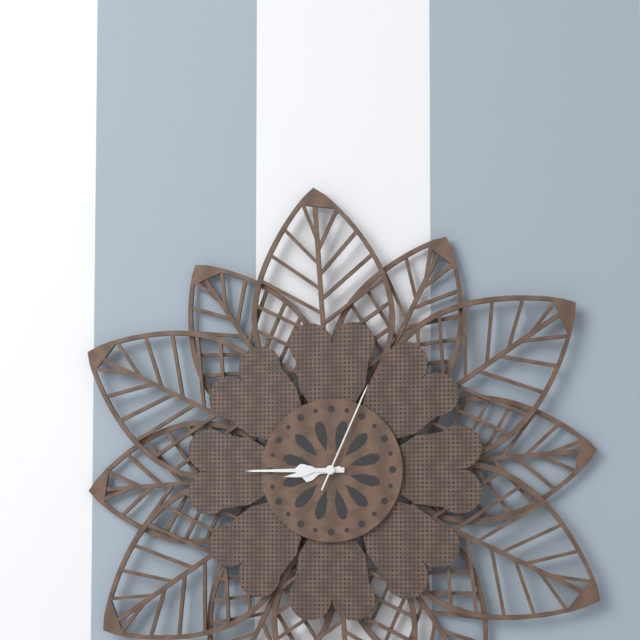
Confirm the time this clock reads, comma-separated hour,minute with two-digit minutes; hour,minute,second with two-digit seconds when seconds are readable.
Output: 8,45,04
